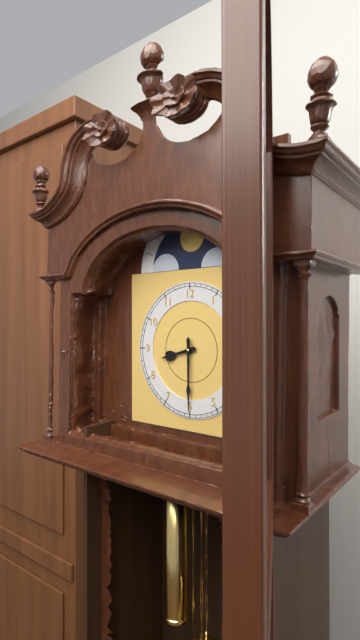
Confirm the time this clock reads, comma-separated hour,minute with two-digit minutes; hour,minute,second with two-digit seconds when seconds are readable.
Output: 8,30
